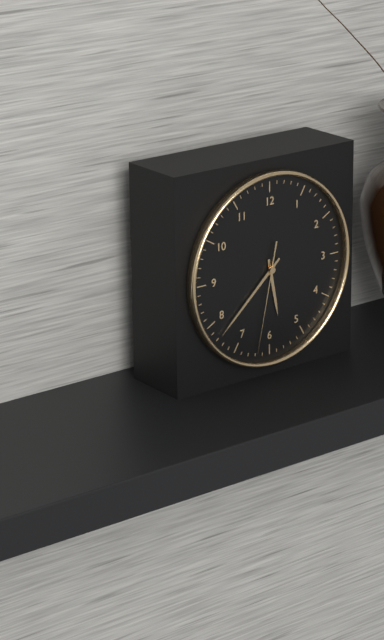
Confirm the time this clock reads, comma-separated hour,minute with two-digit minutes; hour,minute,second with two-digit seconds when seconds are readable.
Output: 5,38,32
